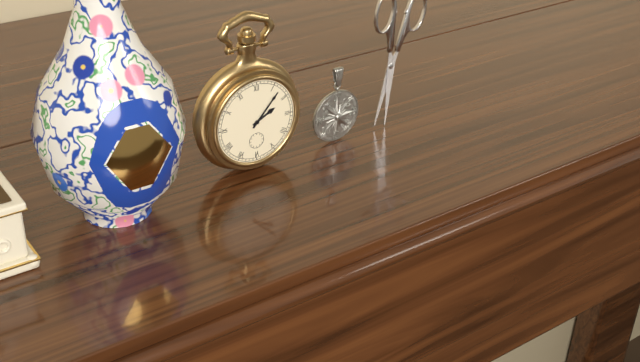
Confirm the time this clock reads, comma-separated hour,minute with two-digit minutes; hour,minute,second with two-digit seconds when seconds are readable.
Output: 2,07
